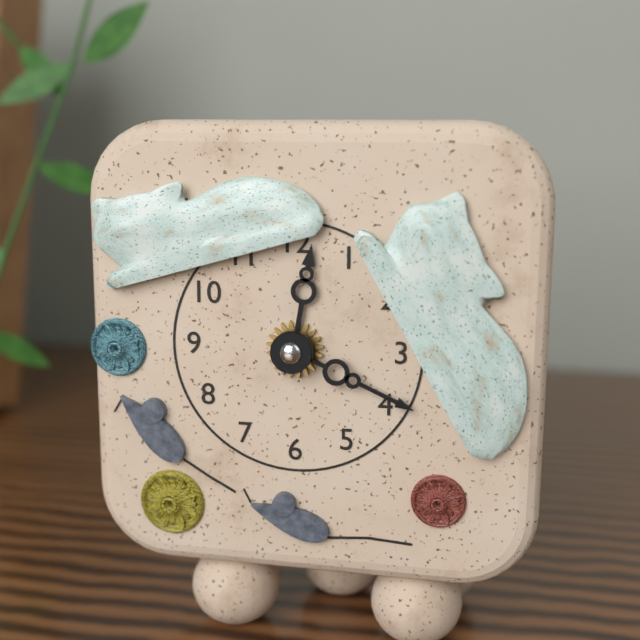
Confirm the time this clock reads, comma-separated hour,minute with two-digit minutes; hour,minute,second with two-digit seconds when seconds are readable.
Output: 12,19
